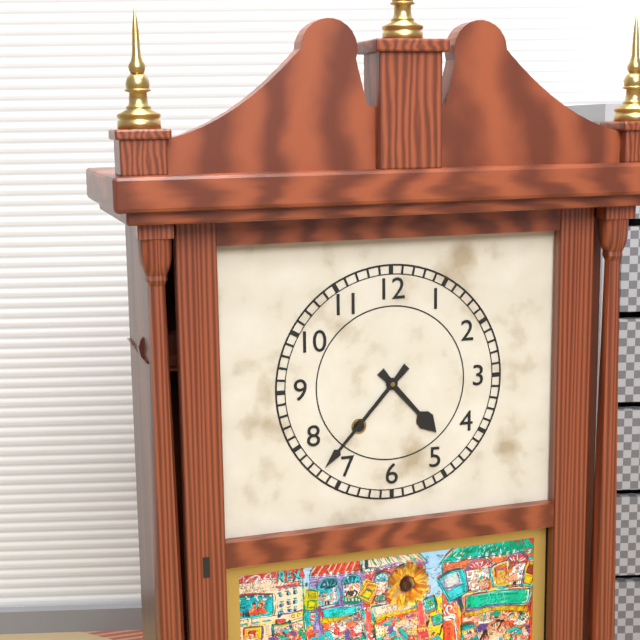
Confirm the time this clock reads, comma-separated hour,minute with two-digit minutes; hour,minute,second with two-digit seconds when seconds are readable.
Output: 4,37
